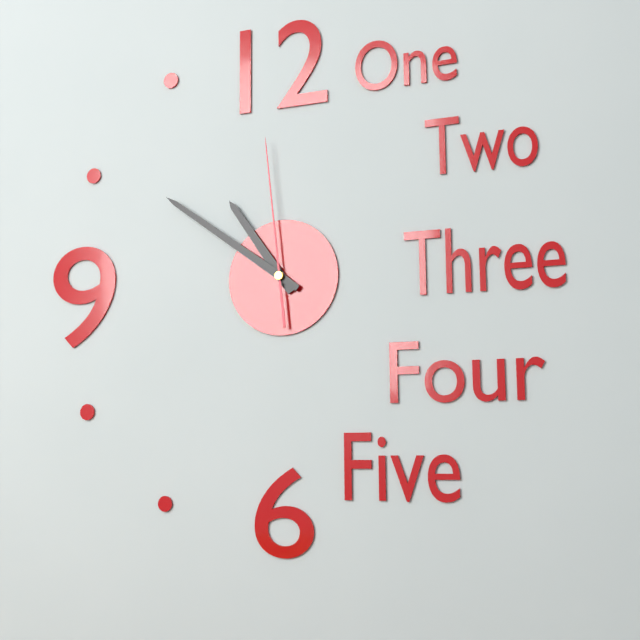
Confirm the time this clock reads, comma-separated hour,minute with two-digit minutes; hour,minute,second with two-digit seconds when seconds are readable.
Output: 10,51,59
